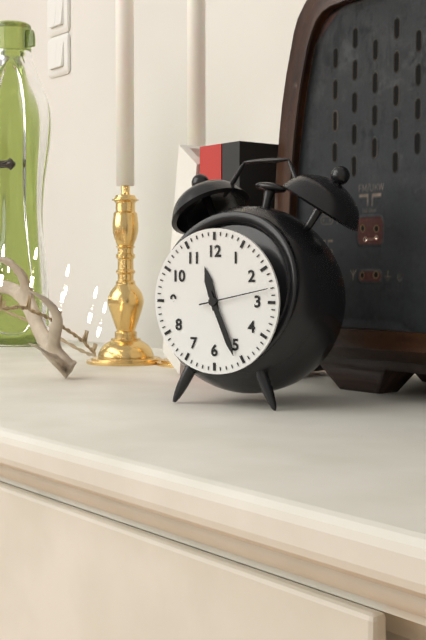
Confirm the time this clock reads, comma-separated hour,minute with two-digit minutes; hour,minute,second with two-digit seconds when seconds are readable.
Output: 11,26,13
